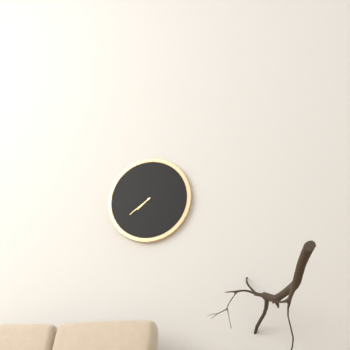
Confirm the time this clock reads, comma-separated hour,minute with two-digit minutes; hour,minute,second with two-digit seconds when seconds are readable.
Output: 7,39
